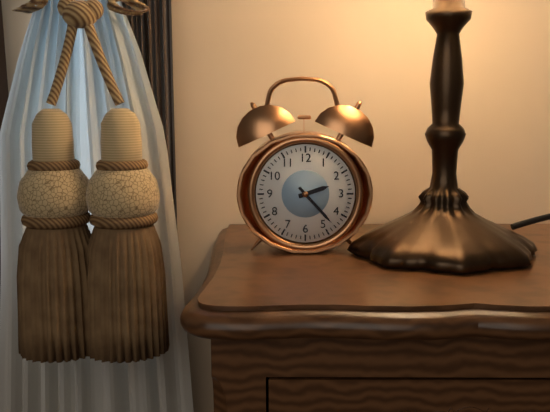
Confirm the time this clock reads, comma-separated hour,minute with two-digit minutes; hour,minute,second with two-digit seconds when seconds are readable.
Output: 2,23
